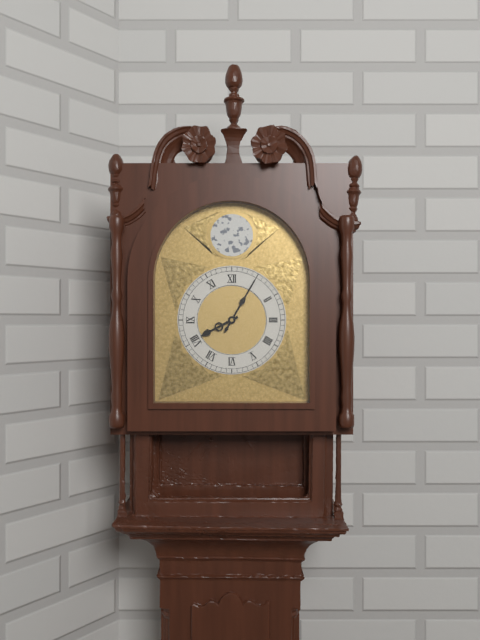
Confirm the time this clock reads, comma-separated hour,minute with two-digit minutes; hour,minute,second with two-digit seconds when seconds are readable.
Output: 8,05
